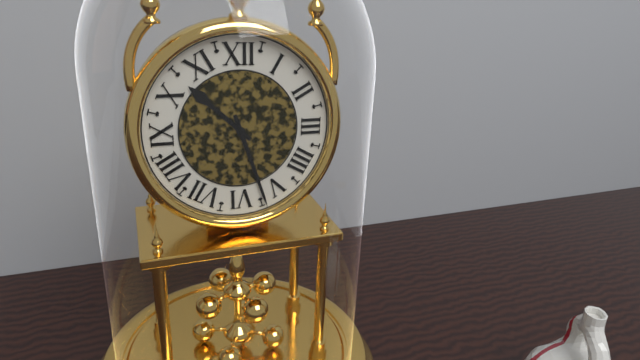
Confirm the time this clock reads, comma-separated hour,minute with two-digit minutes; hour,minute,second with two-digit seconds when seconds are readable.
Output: 10,27
